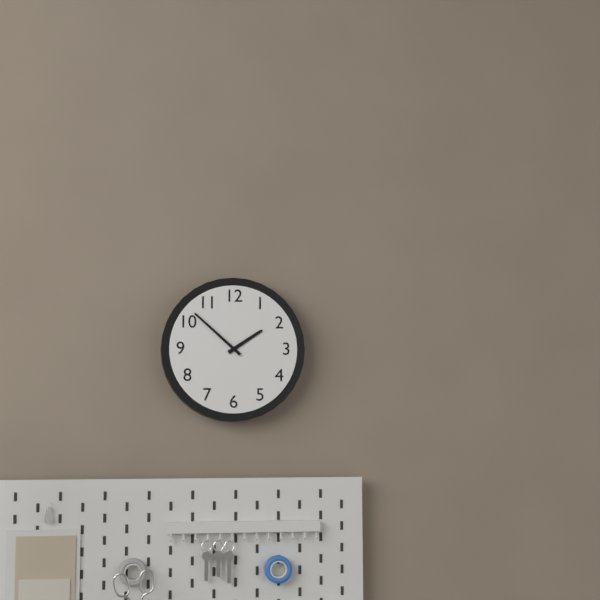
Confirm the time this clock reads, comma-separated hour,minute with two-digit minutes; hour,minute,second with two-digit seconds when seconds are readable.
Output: 1,52
